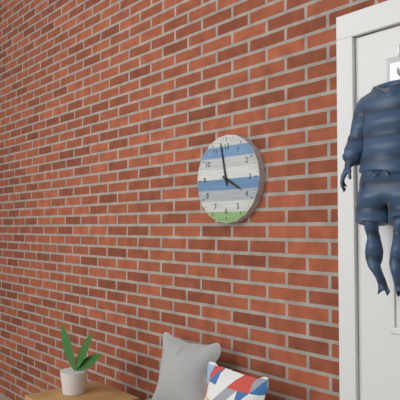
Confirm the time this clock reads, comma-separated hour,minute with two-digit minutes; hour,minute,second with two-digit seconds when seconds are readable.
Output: 3,58
